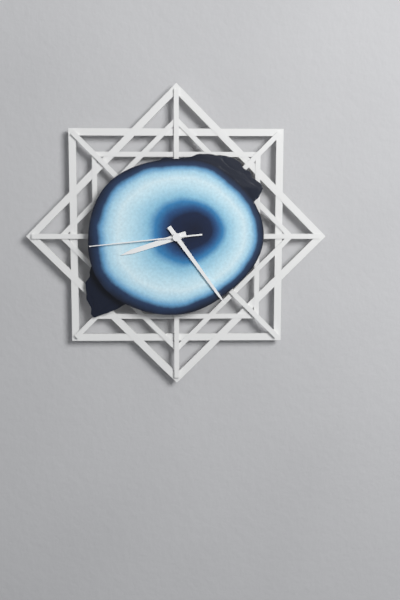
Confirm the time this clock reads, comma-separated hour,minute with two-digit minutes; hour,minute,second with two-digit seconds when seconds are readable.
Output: 8,24,44
